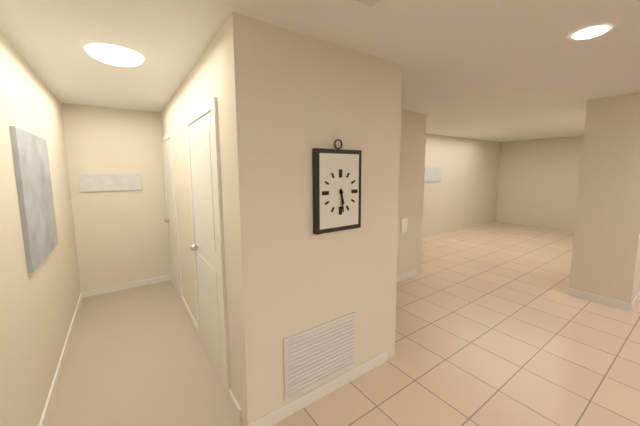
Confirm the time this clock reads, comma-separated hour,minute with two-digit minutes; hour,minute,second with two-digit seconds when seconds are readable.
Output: 5,29
